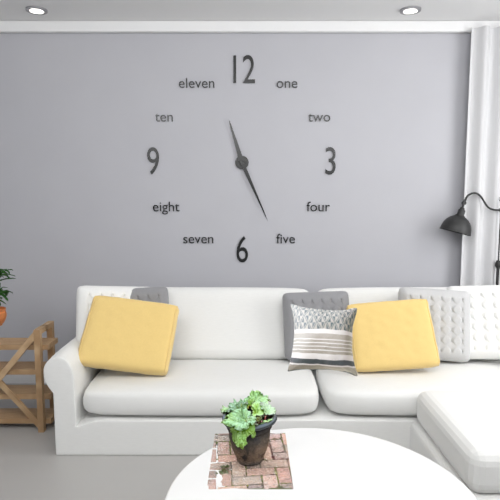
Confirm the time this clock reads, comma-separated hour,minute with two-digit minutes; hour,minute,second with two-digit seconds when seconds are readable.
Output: 11,26
